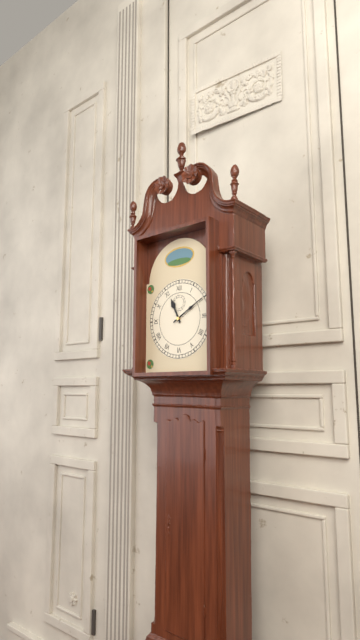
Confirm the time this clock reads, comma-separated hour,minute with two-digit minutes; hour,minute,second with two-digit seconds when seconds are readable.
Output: 11,10
